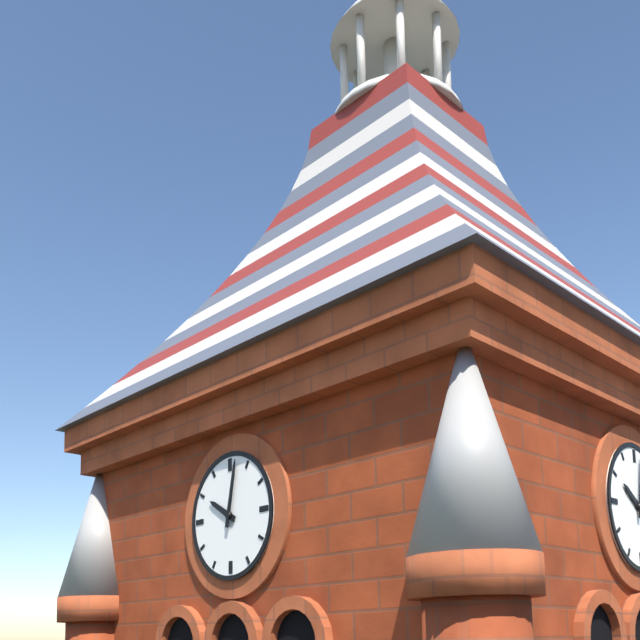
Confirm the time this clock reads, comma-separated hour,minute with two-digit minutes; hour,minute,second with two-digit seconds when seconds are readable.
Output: 10,02
